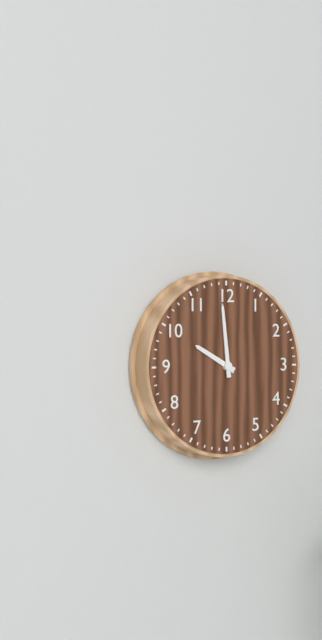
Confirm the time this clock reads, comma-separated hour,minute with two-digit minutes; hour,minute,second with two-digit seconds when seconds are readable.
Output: 9,59
